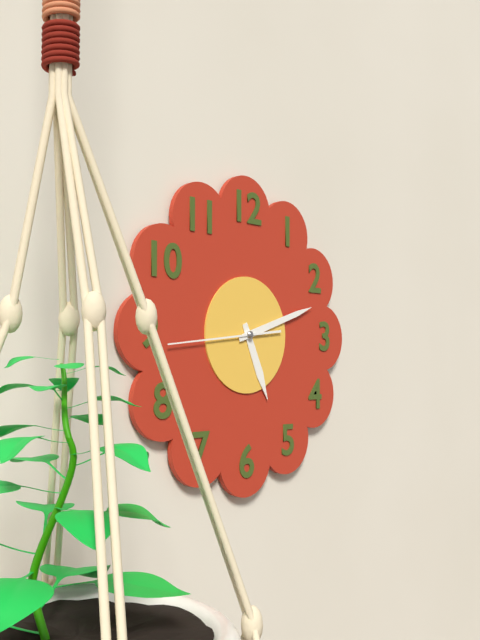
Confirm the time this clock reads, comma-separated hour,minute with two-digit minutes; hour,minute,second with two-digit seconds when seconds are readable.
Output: 5,12,44
